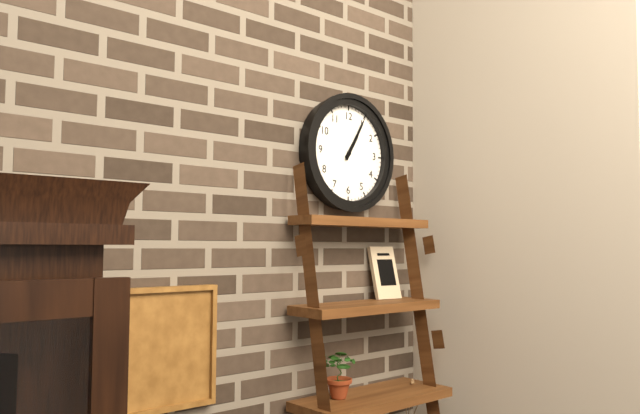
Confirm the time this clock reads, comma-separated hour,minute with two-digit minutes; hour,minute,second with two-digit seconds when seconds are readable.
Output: 1,05
